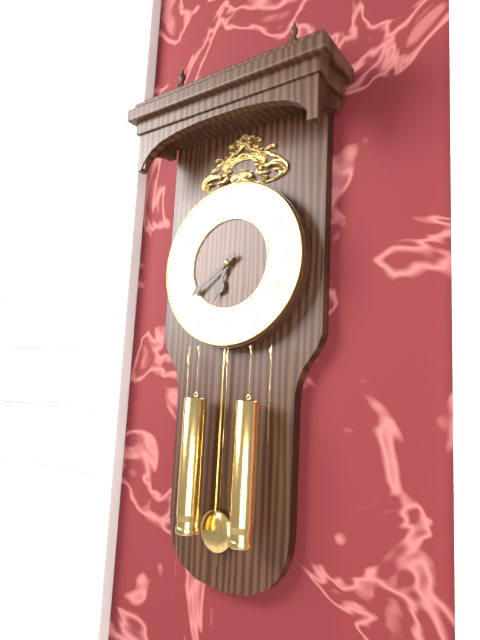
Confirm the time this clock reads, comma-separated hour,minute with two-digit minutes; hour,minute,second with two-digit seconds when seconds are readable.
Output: 6,39
